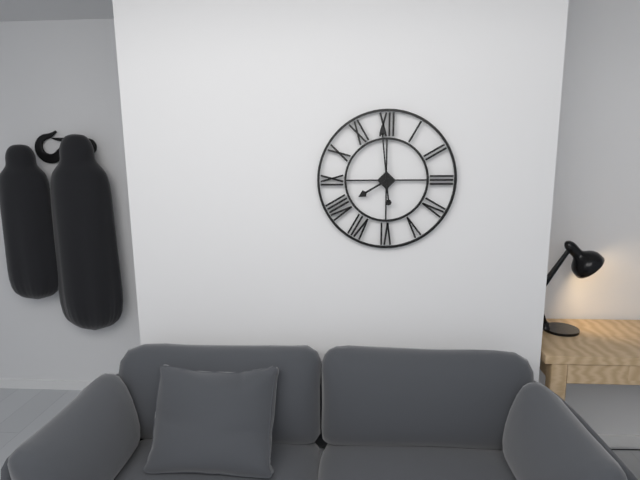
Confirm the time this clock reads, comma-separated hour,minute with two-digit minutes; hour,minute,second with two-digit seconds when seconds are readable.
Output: 7,59
